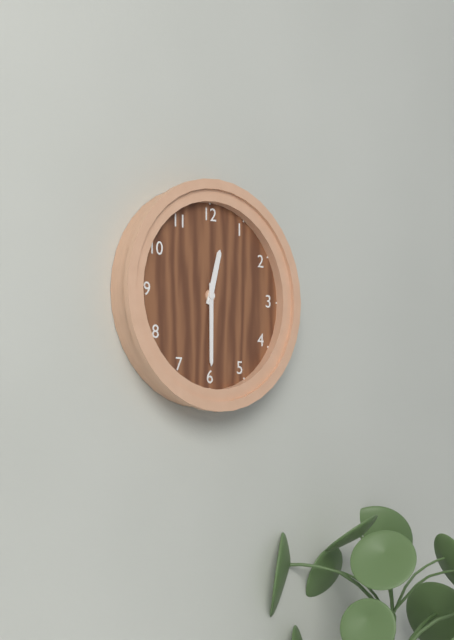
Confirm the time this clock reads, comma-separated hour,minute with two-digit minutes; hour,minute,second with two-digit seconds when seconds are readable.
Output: 12,30
